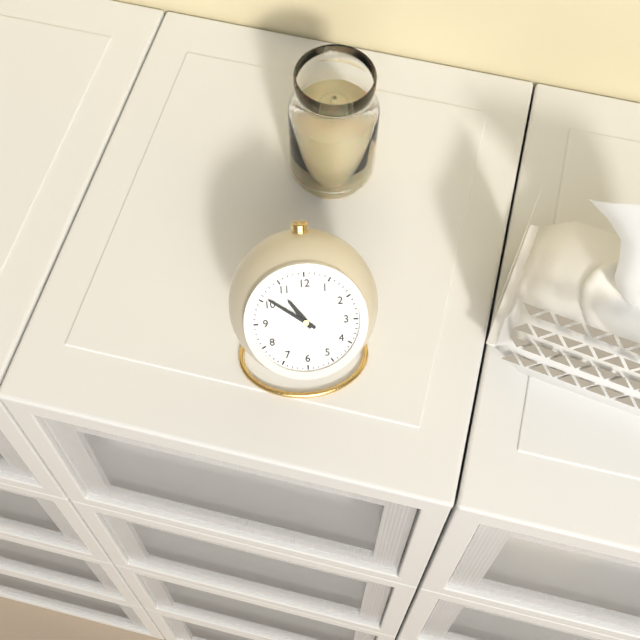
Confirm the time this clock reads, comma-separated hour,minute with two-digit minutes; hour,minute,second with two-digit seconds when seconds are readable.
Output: 10,51
